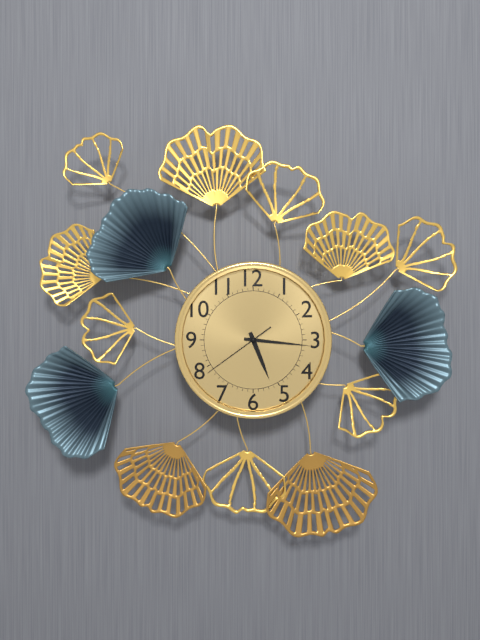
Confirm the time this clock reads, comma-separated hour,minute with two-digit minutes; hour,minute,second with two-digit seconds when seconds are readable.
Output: 5,16,39
